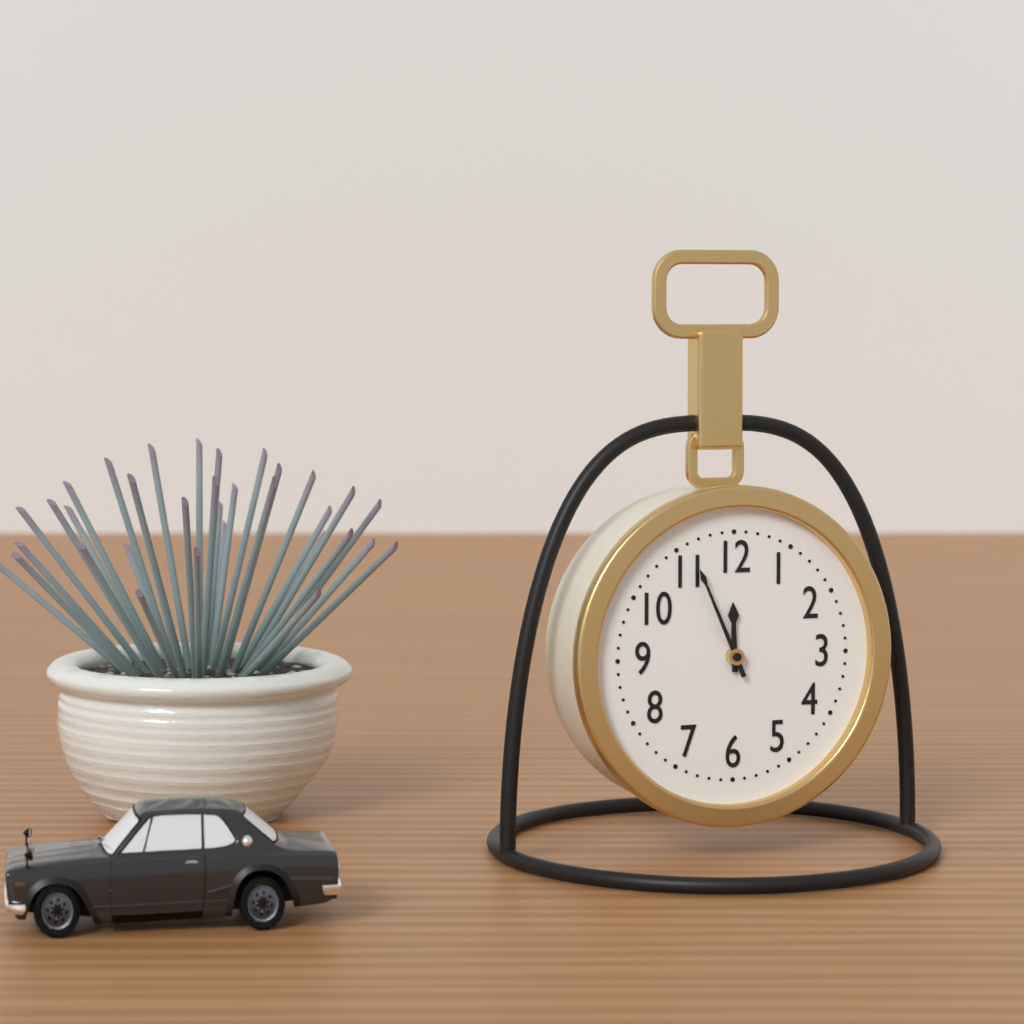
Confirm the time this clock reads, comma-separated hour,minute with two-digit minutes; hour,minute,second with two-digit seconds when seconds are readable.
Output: 11,56
